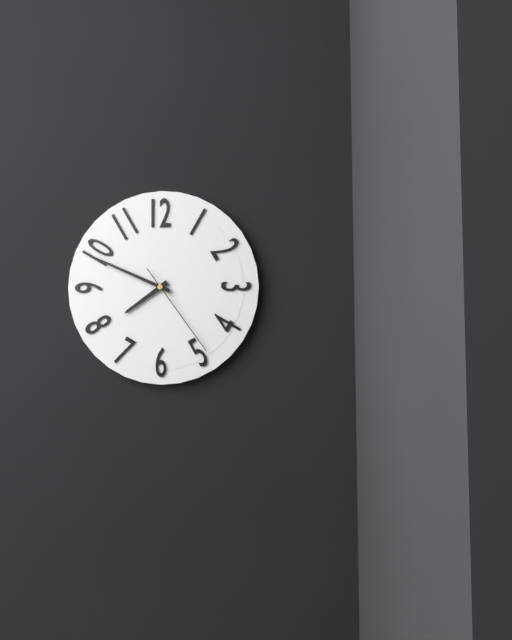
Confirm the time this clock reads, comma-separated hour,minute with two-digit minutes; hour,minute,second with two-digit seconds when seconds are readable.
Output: 7,49,24
